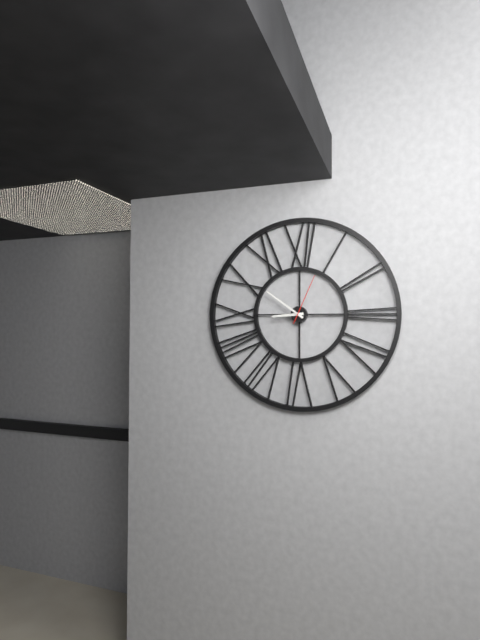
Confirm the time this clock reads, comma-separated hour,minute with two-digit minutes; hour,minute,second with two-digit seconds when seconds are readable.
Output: 8,51,04
